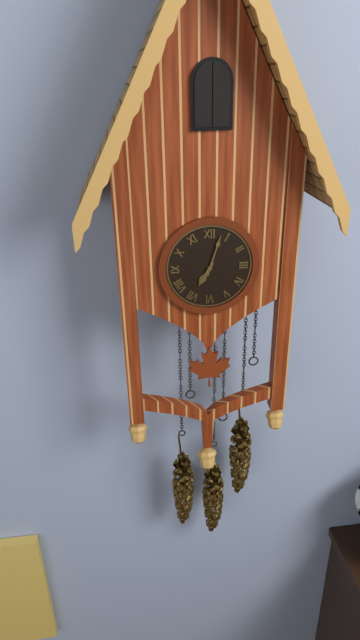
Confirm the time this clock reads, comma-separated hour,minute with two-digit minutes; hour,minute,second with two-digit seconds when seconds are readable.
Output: 7,03
